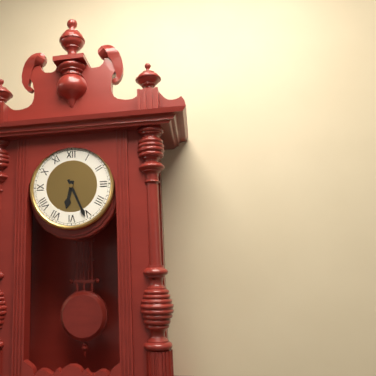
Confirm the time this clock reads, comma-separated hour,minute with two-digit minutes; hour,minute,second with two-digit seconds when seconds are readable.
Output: 6,26
